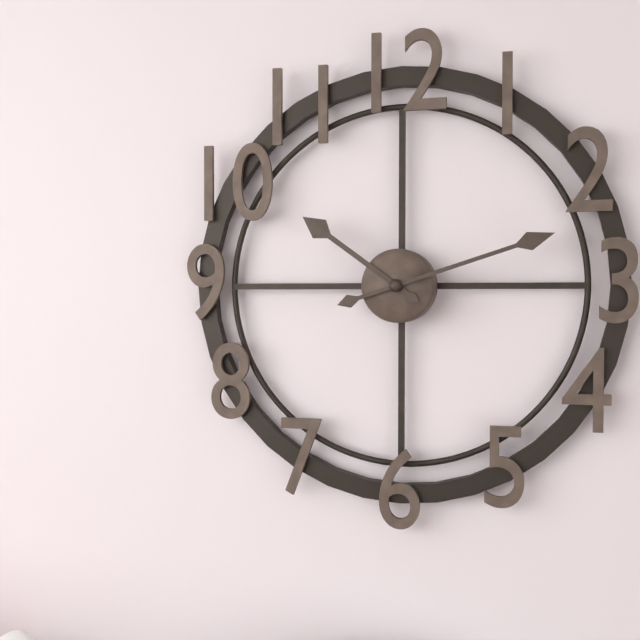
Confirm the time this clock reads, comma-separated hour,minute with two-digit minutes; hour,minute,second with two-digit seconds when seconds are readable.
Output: 10,12
